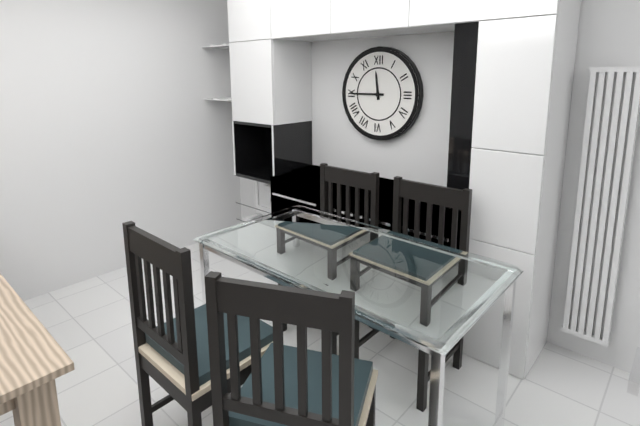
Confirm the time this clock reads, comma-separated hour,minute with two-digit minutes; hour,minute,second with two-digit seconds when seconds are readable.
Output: 11,45
